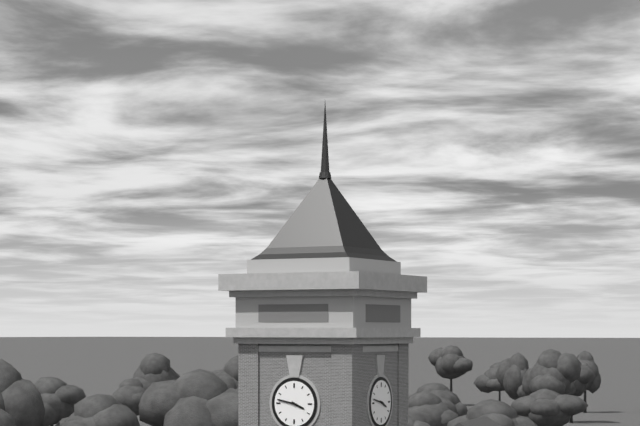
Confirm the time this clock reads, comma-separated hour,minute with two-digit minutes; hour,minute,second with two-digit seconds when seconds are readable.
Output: 3,47
